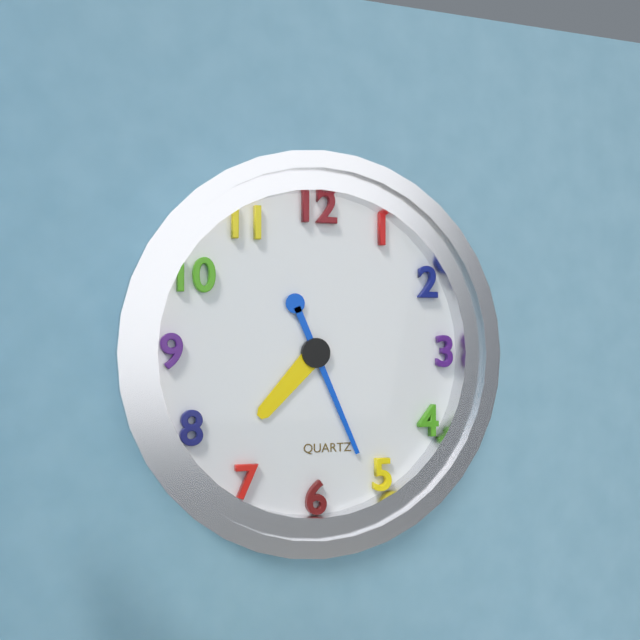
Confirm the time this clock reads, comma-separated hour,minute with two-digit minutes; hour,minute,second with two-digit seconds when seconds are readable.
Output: 7,26
